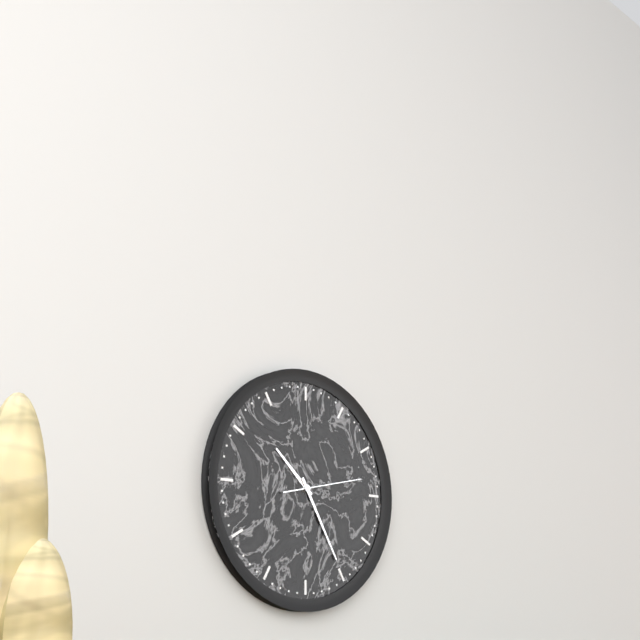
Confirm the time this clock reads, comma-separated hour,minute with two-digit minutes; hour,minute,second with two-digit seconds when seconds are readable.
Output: 10,25,13
